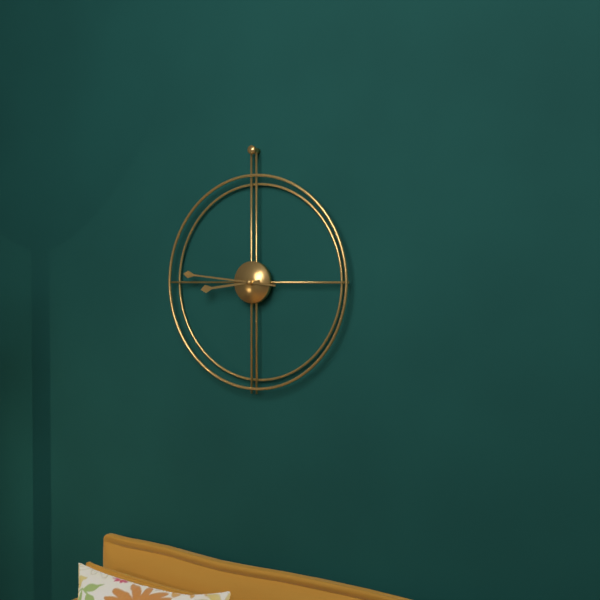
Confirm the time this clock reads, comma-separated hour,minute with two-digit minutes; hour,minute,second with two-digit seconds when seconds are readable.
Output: 8,46
